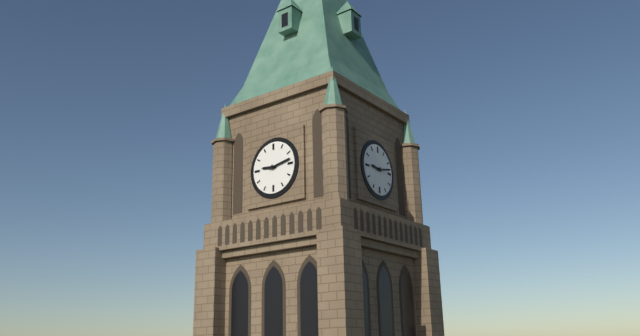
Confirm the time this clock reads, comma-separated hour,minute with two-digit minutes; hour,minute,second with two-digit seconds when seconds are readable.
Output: 9,13
